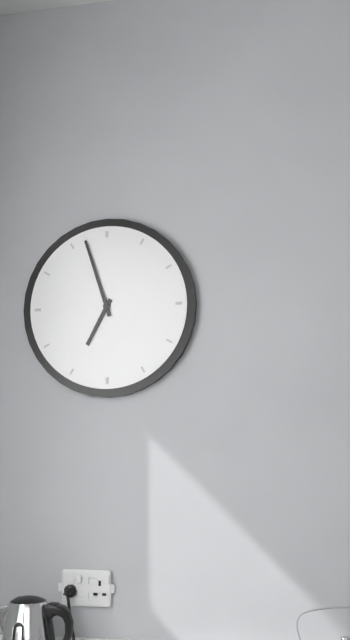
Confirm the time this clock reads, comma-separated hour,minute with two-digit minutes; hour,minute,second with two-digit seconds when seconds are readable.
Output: 6,57
